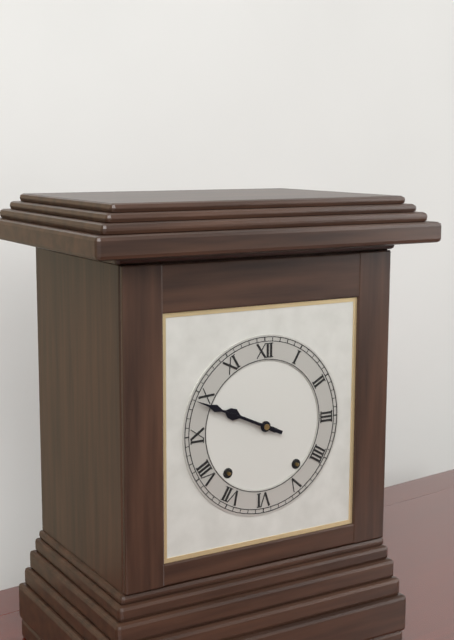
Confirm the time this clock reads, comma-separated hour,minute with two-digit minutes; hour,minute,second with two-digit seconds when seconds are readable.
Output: 9,49
